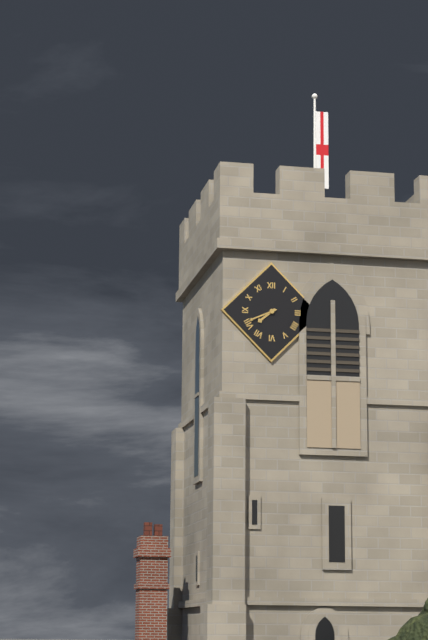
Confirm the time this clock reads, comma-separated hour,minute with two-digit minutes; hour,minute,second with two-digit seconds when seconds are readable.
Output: 7,41
